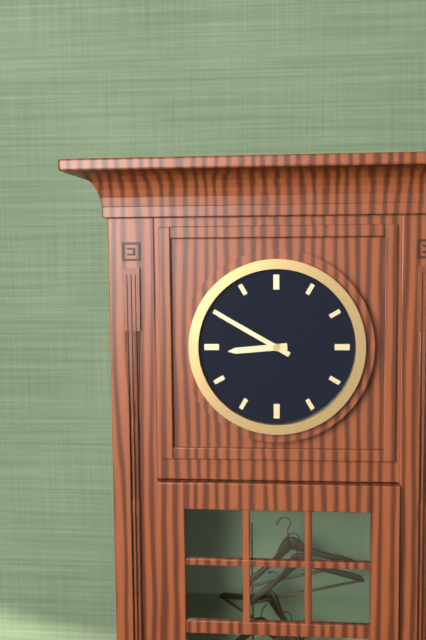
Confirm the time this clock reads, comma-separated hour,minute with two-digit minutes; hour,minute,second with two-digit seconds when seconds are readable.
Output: 8,50
